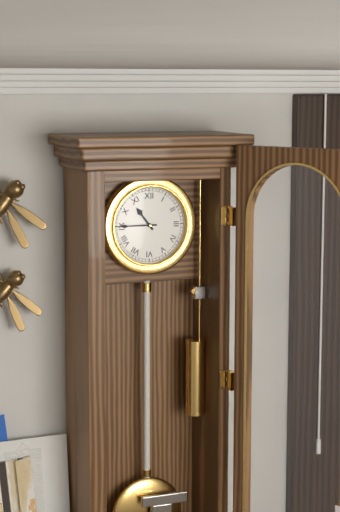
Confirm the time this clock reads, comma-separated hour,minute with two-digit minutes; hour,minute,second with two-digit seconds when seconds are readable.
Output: 10,45
